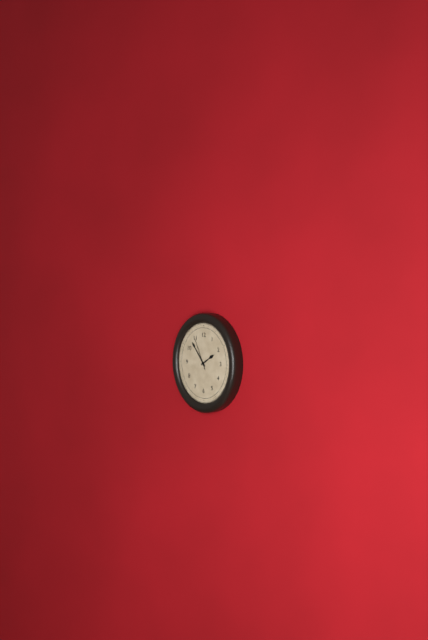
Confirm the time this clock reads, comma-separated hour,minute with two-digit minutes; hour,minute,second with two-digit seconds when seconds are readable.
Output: 1,54
